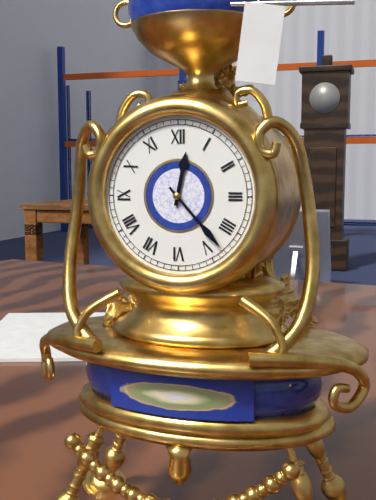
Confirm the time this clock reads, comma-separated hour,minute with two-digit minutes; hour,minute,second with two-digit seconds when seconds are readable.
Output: 12,23
